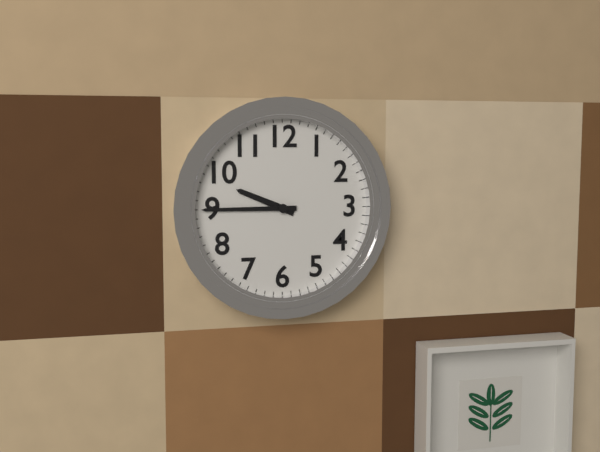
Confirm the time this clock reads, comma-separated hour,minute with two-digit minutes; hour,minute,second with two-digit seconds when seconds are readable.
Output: 9,45
